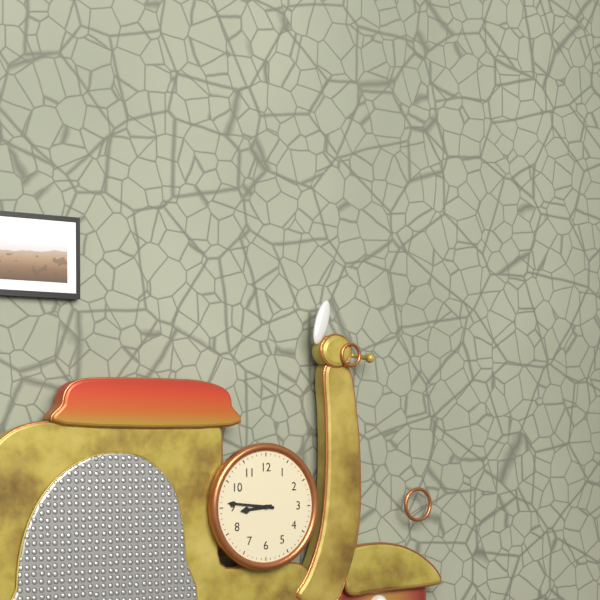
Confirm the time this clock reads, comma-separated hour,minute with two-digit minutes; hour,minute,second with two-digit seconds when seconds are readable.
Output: 8,46
